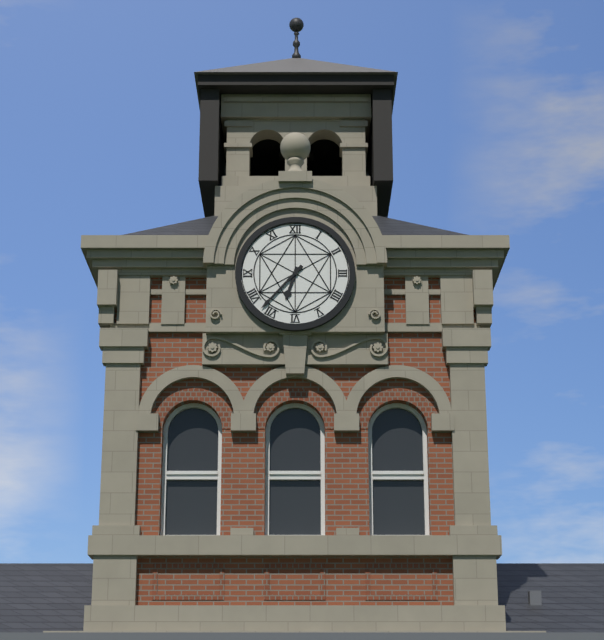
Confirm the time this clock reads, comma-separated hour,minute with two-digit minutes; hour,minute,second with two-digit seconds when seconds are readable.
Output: 6,37
